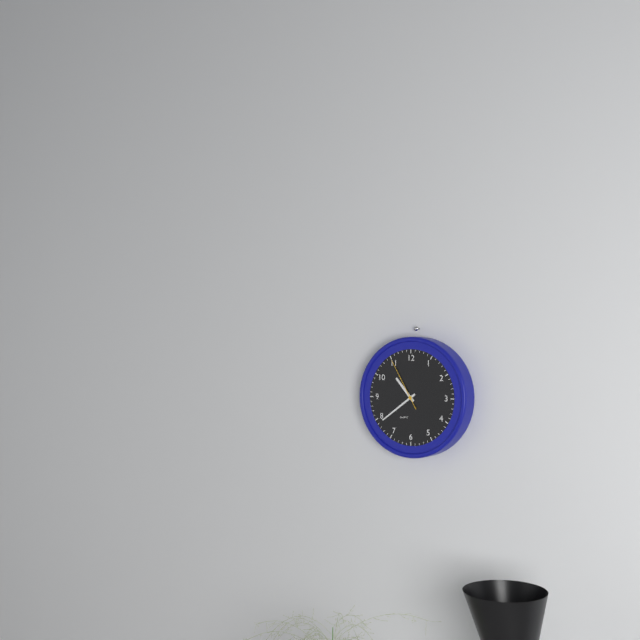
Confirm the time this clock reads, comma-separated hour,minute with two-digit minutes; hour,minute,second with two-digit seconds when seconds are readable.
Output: 10,39,55
